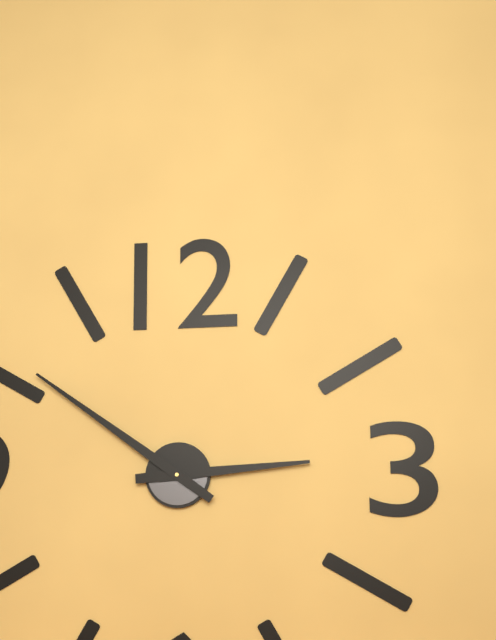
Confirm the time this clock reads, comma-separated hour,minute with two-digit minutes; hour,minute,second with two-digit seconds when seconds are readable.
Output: 2,51
